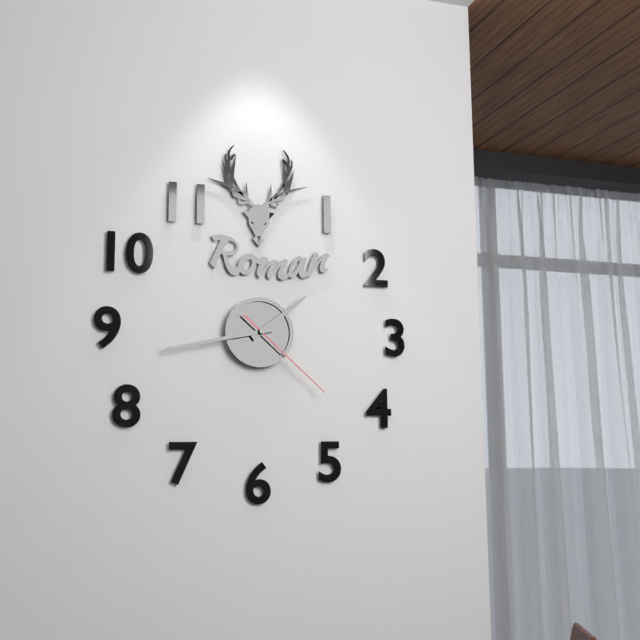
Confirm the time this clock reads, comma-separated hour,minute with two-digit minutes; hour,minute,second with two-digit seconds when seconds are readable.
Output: 1,43,22
